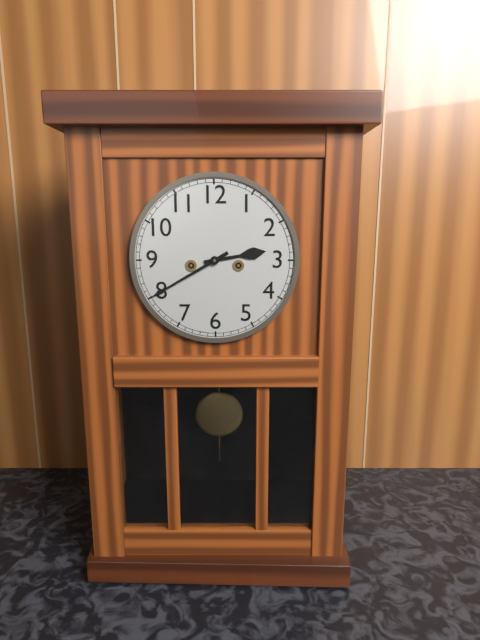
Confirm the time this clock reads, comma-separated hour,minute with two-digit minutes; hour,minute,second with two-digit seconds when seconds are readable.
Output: 2,40
